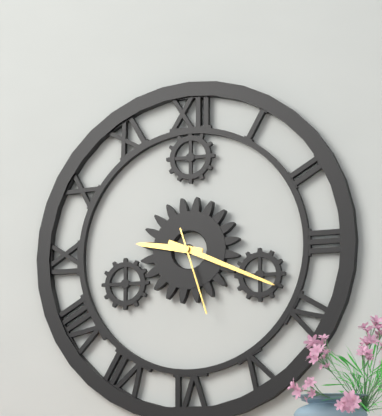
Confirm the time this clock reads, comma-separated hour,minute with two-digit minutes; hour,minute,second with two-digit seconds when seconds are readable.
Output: 9,19,27
